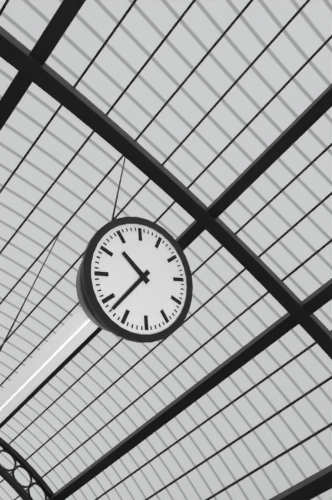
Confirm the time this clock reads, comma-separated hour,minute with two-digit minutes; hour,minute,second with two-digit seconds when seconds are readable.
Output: 9,33
